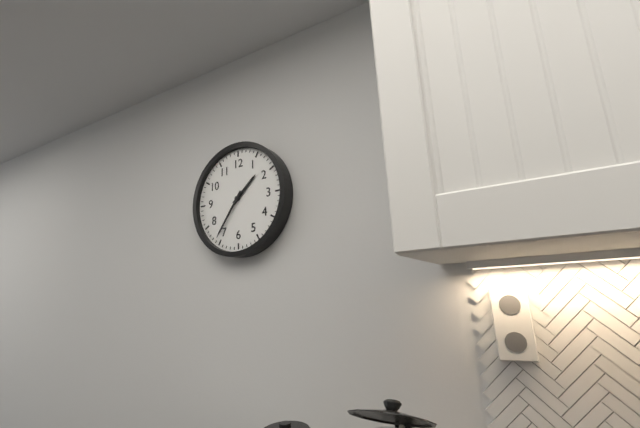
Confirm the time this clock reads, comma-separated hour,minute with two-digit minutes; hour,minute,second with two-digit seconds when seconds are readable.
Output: 1,36
